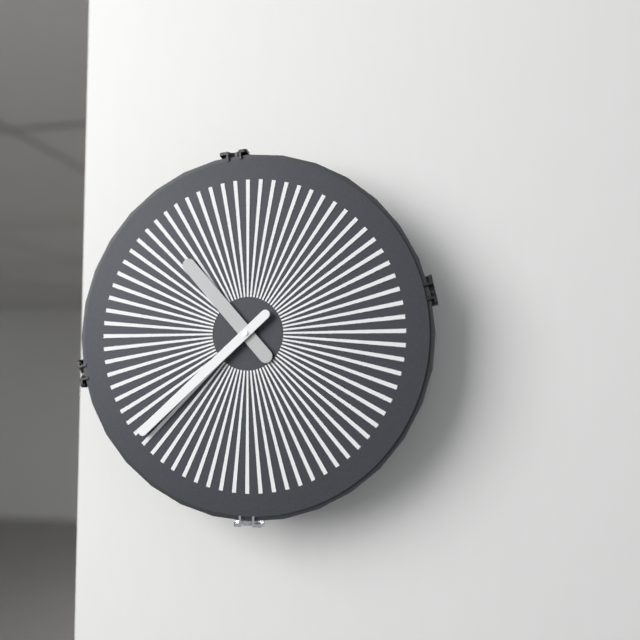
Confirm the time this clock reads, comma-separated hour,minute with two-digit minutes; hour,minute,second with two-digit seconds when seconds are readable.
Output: 10,38
